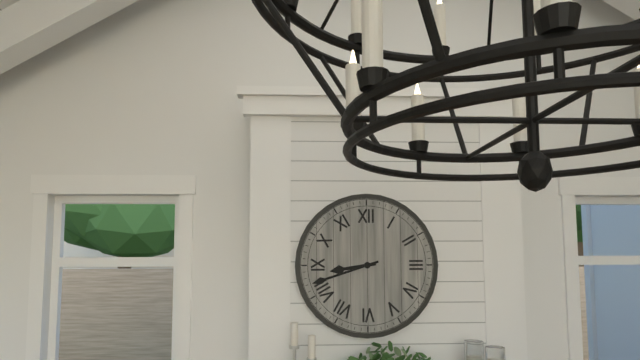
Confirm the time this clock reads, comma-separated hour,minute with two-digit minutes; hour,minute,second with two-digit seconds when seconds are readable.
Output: 8,42
